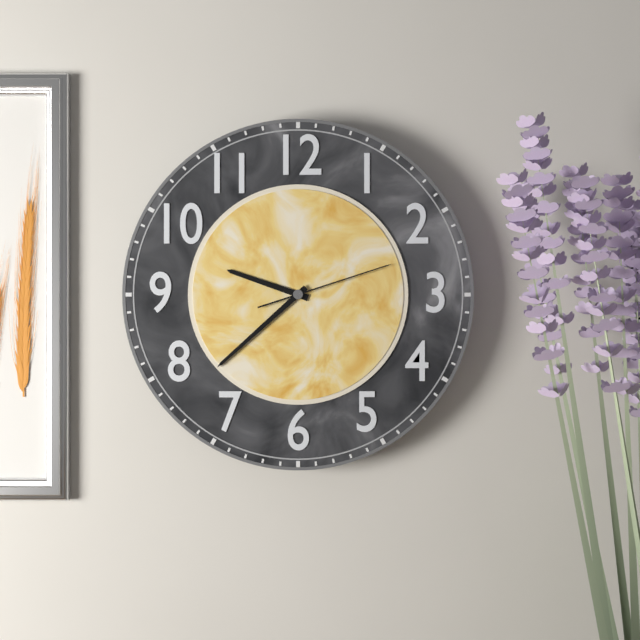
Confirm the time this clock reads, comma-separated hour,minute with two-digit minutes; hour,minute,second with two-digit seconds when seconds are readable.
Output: 9,38,12
